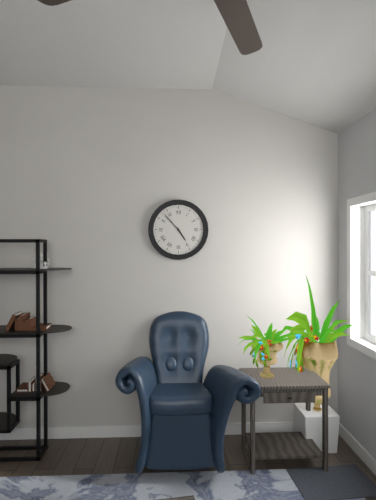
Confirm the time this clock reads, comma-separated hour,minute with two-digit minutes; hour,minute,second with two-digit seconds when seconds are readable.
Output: 4,53
